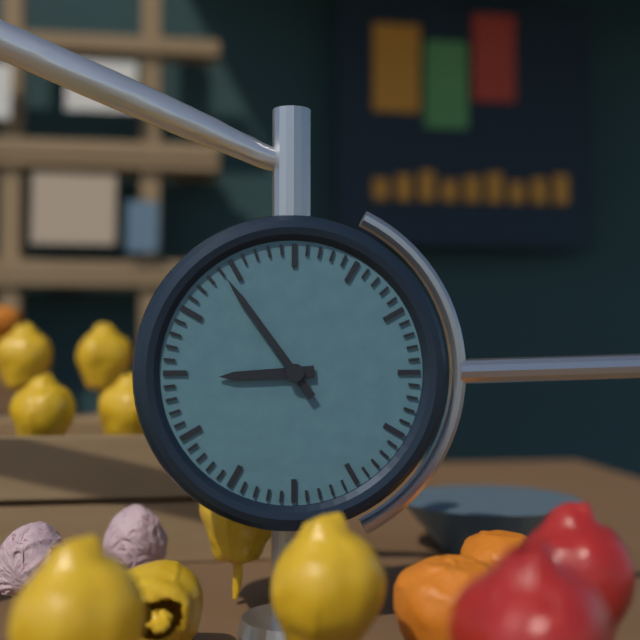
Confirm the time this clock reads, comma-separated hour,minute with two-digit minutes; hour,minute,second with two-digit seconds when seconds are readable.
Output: 8,54
